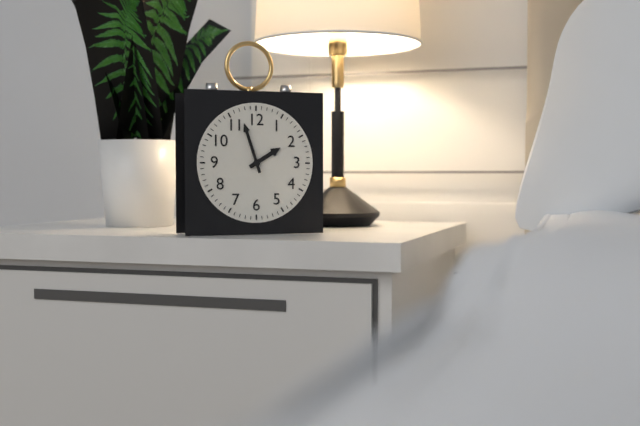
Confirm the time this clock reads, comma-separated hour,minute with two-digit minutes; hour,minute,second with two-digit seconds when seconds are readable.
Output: 1,57
